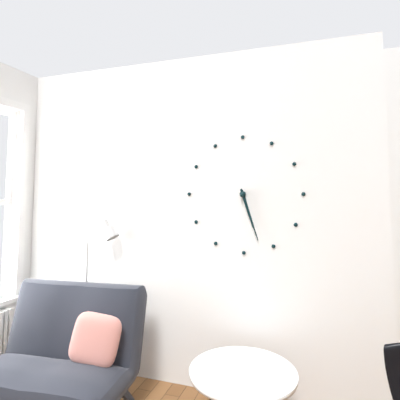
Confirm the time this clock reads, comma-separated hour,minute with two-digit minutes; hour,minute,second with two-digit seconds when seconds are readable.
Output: 5,27
